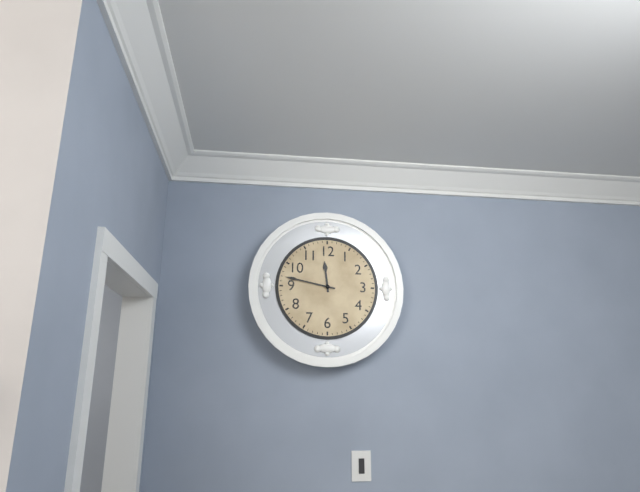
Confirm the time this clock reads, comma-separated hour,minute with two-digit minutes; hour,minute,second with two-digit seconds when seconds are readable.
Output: 11,47
